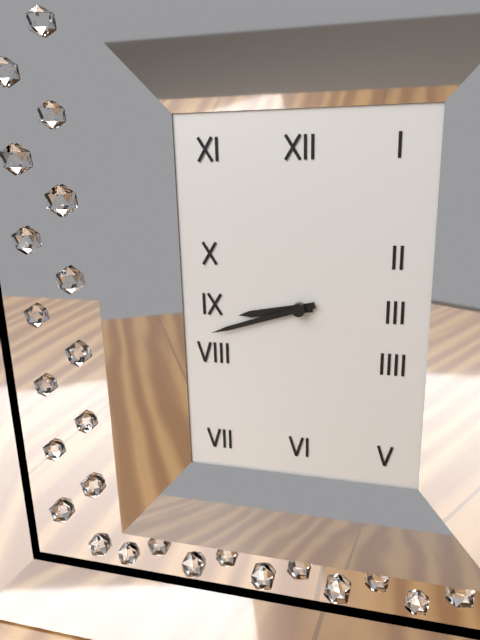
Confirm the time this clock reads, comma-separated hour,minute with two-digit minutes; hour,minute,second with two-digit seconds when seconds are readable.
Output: 8,42
